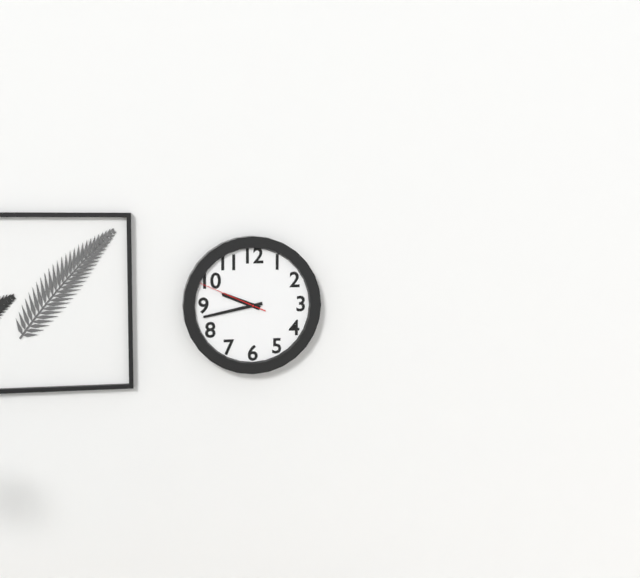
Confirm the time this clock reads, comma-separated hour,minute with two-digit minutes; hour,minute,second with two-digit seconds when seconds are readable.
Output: 9,43,49
